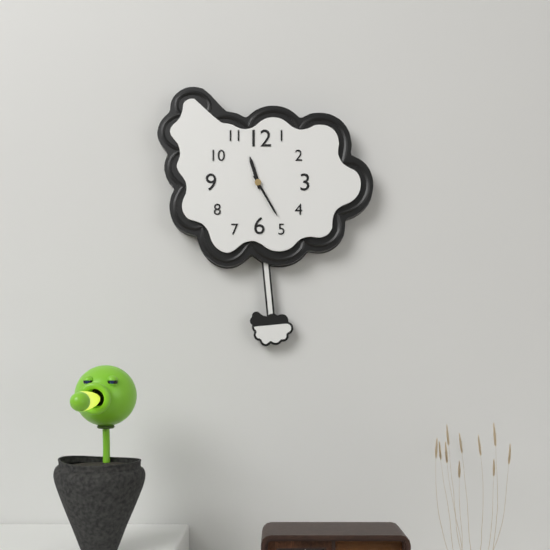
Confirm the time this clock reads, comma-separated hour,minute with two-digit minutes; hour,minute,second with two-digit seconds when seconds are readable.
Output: 11,25
